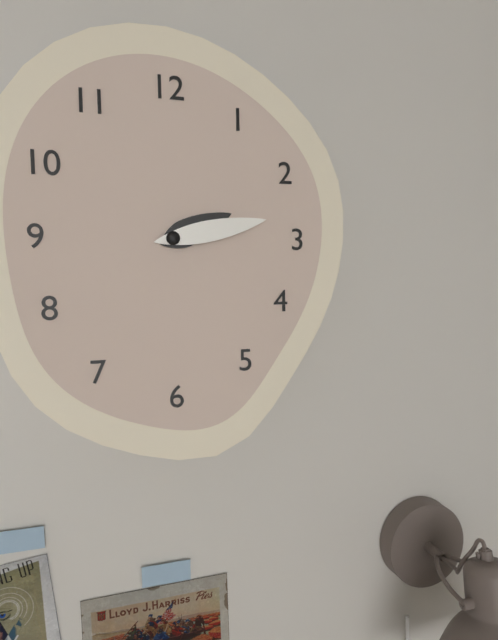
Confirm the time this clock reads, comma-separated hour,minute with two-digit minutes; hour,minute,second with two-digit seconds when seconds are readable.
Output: 2,13
